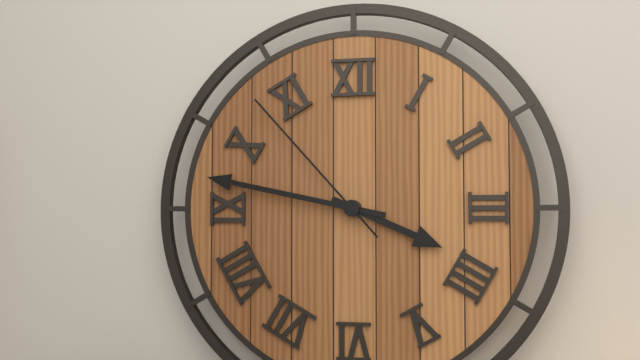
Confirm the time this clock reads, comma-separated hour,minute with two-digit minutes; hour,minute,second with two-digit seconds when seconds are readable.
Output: 3,47,53
